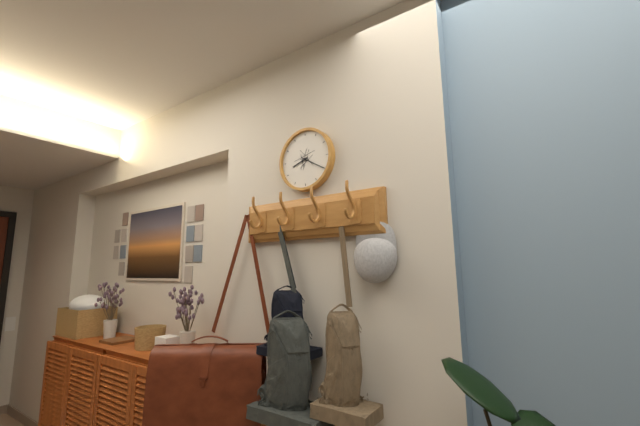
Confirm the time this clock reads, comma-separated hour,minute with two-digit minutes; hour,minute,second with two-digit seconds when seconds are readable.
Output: 8,20
